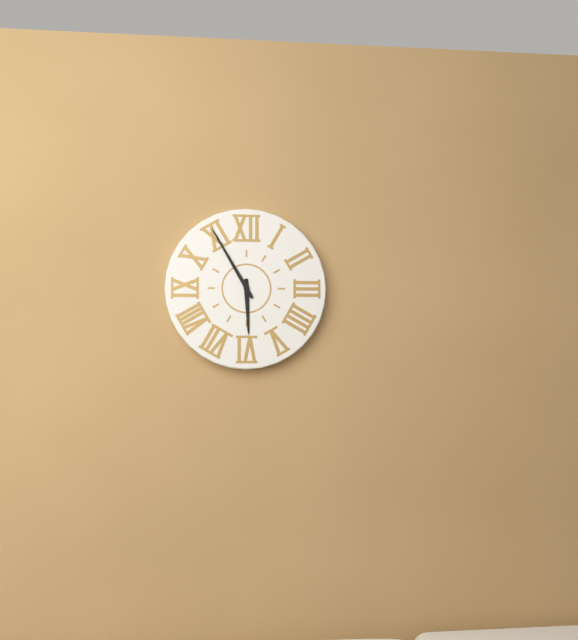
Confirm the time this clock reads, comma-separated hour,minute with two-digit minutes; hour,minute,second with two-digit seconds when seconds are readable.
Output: 5,55
